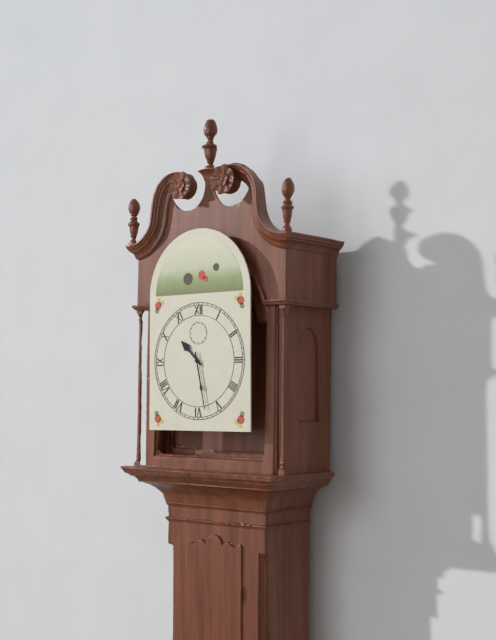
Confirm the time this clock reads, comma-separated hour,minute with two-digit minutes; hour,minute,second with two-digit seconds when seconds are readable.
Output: 10,28
